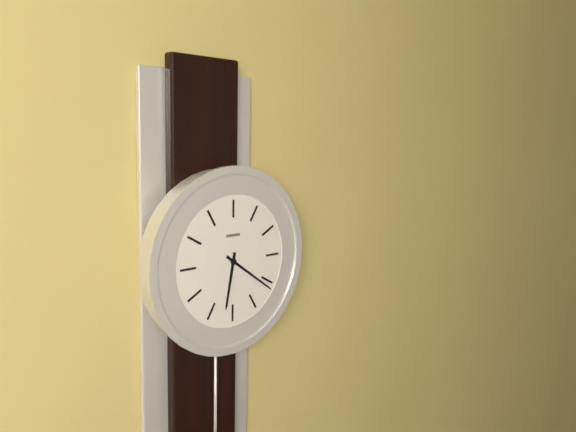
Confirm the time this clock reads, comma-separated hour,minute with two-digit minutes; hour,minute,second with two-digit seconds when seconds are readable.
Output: 6,21
